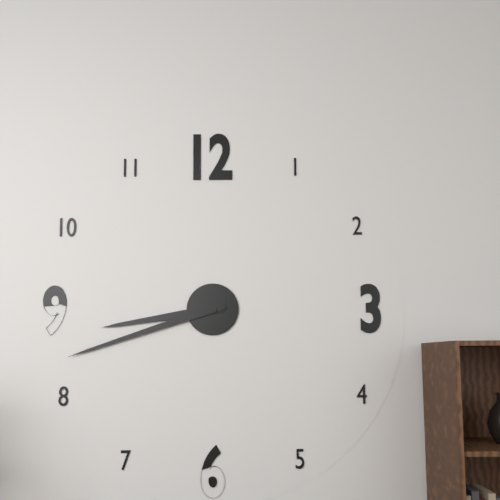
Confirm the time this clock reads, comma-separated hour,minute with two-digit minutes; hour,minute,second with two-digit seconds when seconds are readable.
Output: 8,42
